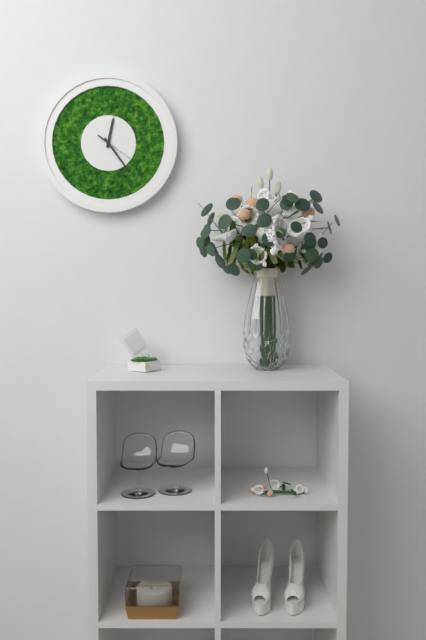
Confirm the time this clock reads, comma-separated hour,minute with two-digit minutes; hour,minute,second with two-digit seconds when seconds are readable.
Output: 12,24
